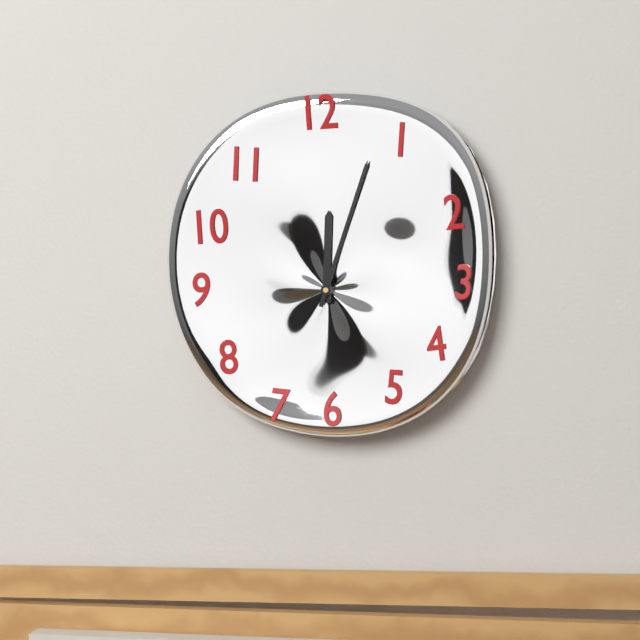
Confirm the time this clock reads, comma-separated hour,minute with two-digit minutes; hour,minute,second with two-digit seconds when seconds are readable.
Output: 12,03
